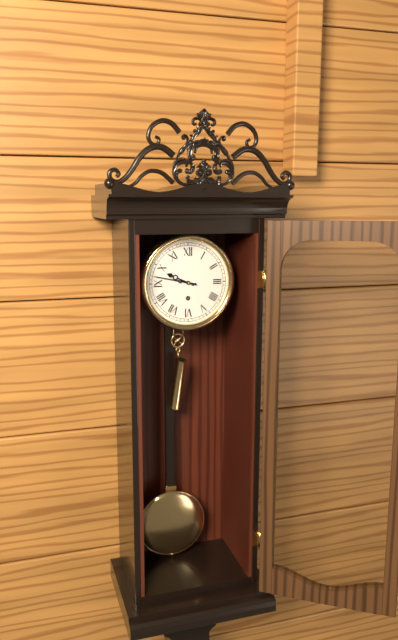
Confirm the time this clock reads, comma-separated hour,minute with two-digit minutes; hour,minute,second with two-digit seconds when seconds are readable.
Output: 9,47
